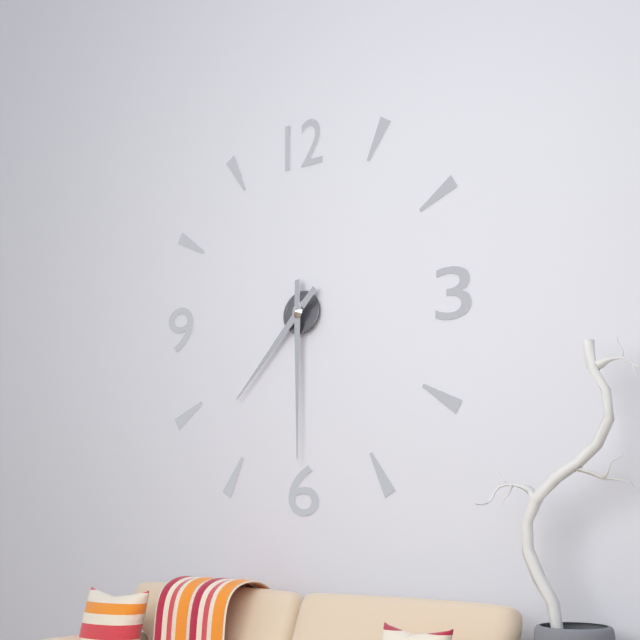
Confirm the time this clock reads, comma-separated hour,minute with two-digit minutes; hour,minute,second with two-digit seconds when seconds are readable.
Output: 7,30
